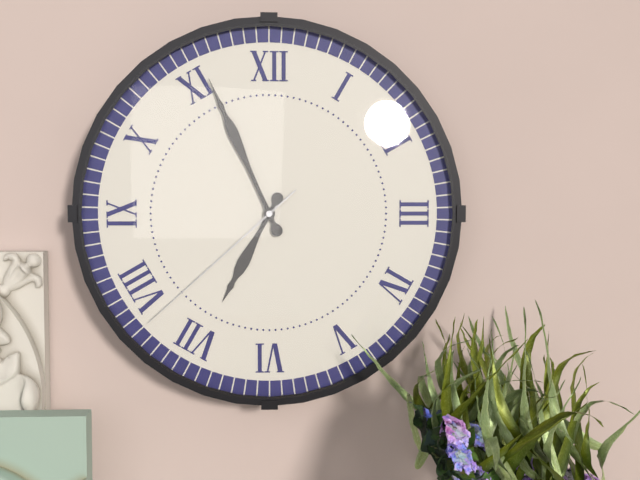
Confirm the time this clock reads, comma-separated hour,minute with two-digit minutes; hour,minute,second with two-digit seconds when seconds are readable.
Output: 6,56,38
